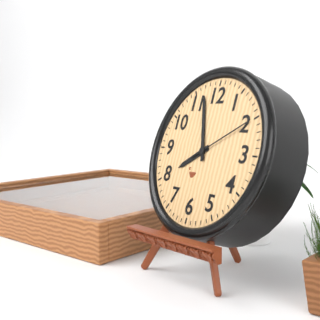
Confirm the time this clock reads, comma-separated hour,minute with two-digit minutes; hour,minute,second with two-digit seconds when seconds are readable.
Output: 7,57,10
